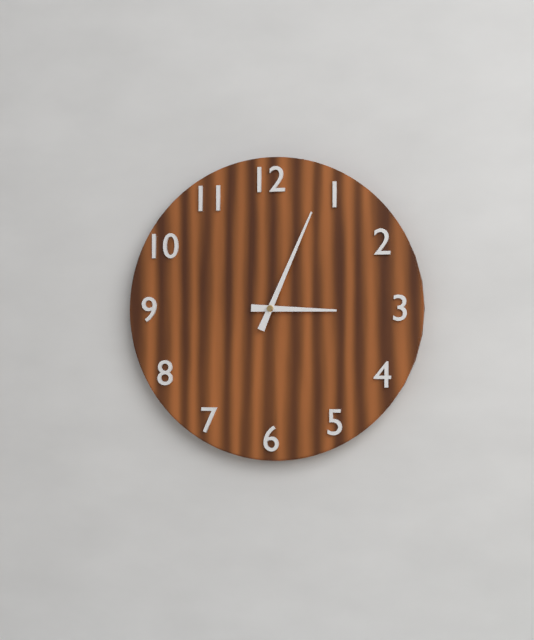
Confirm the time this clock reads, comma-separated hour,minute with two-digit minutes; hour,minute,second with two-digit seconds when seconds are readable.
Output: 3,04
